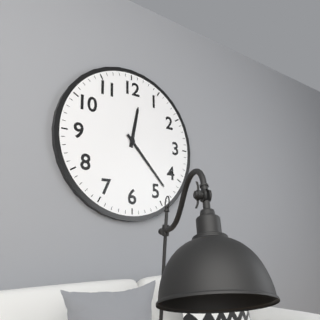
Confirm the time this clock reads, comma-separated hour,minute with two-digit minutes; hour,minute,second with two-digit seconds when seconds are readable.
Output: 12,23
